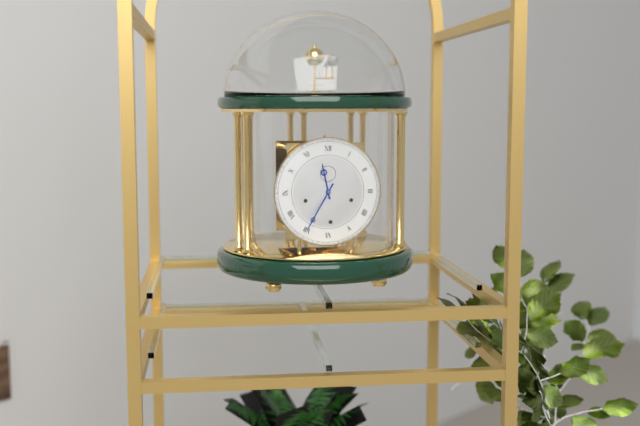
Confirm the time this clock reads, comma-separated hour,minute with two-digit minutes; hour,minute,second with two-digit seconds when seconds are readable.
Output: 11,35
